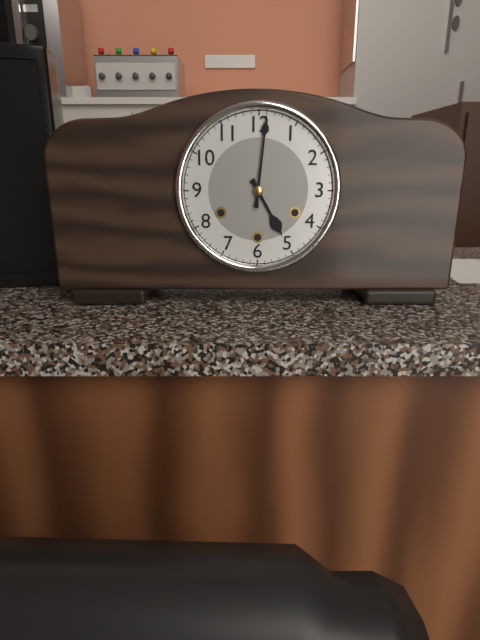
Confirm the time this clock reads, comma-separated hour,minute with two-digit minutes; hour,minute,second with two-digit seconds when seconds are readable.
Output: 5,01
